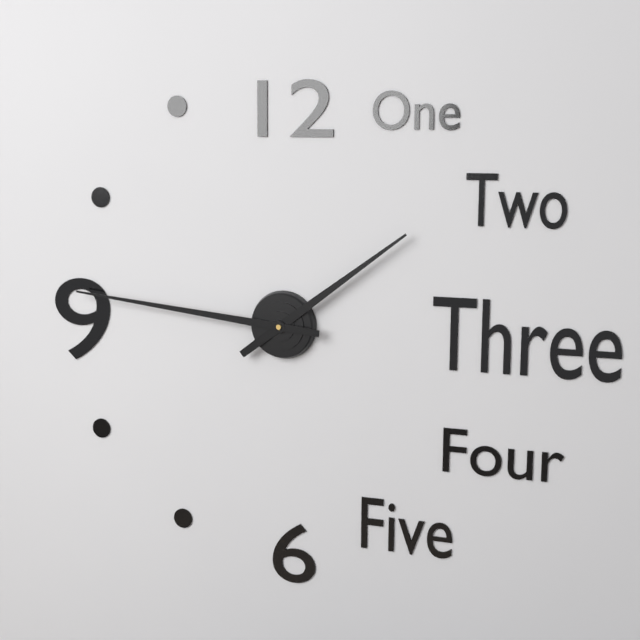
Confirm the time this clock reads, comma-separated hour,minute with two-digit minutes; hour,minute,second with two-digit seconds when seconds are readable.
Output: 1,46
